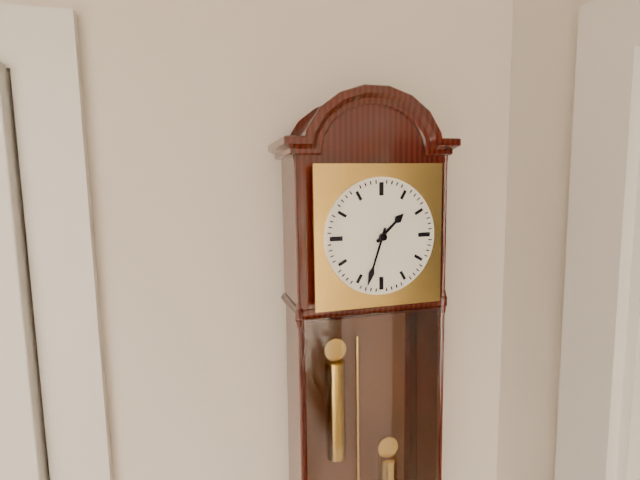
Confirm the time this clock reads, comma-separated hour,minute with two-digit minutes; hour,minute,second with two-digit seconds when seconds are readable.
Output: 1,33
